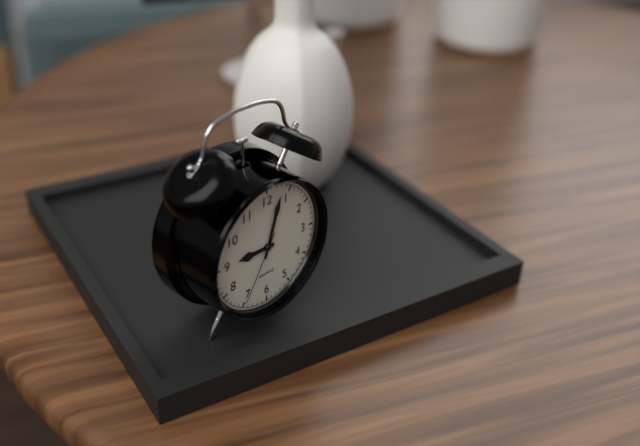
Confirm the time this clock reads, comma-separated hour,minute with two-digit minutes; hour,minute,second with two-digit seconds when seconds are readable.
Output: 9,03,35
